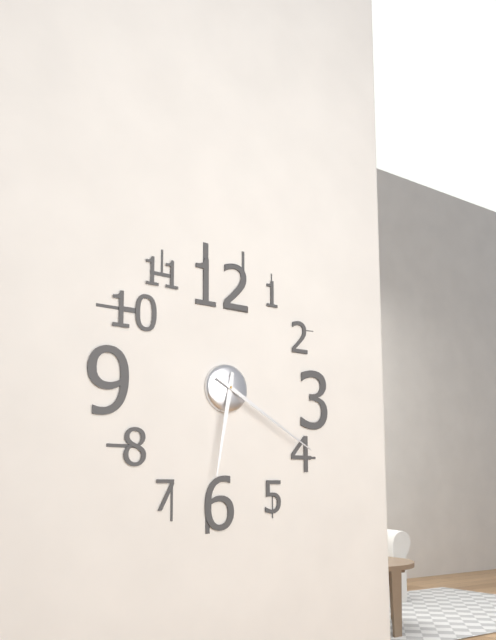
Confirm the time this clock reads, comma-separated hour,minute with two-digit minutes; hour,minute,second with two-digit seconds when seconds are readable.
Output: 6,20
